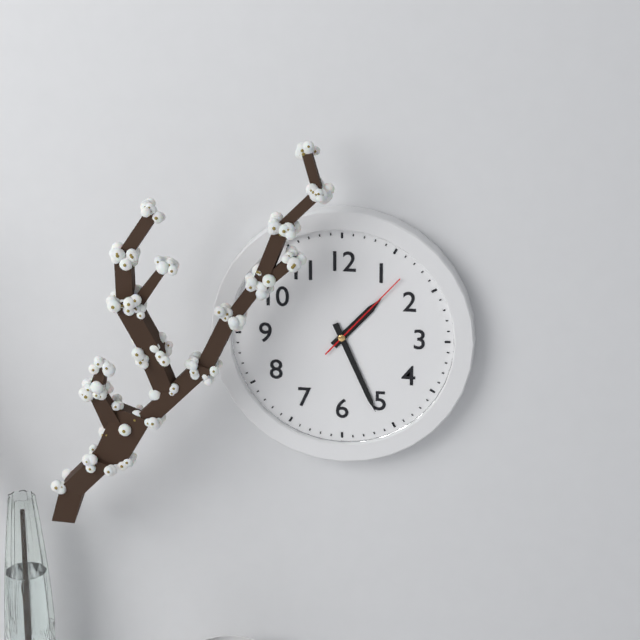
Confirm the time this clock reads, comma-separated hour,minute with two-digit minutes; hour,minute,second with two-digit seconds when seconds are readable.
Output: 1,26,07
